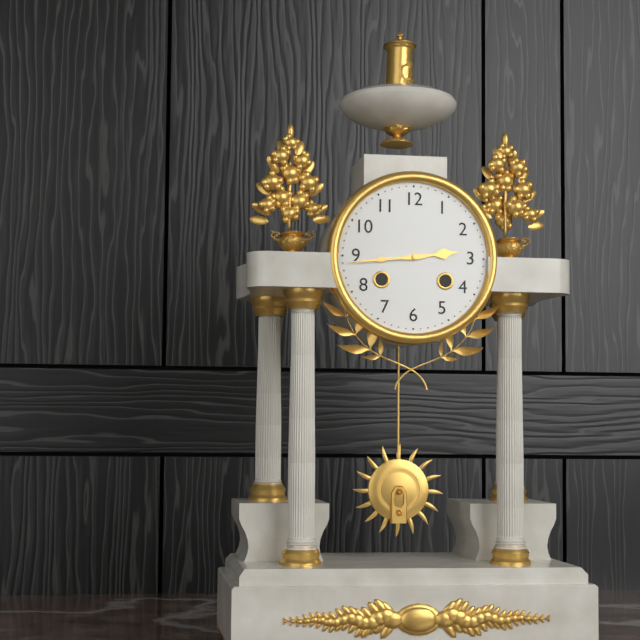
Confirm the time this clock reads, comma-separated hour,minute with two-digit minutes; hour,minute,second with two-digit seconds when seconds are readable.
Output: 2,44
